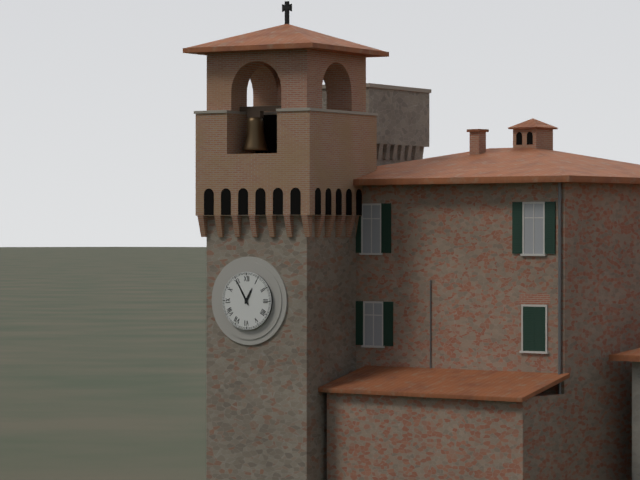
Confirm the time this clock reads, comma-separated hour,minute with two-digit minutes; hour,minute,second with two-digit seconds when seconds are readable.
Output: 12,55
